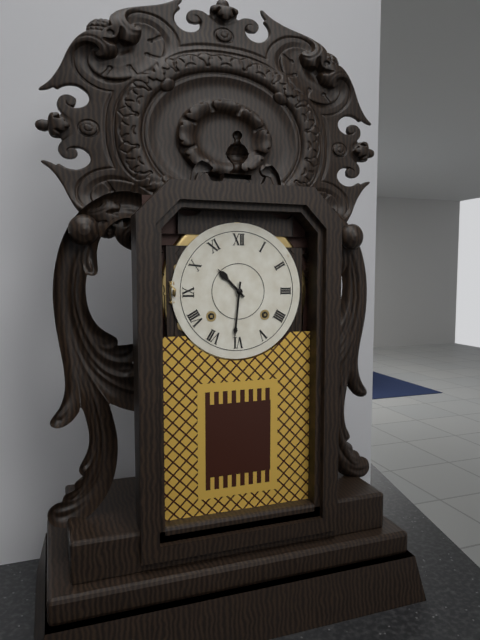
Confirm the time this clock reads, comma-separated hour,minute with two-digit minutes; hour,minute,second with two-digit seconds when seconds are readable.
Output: 10,31
